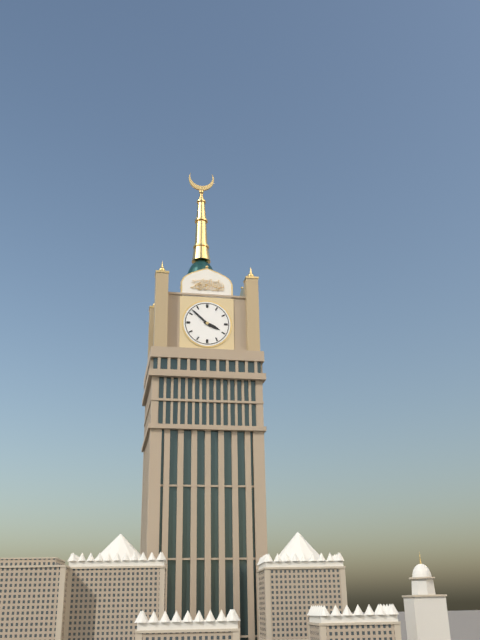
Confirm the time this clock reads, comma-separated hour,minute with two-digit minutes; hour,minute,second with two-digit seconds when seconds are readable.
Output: 3,52
